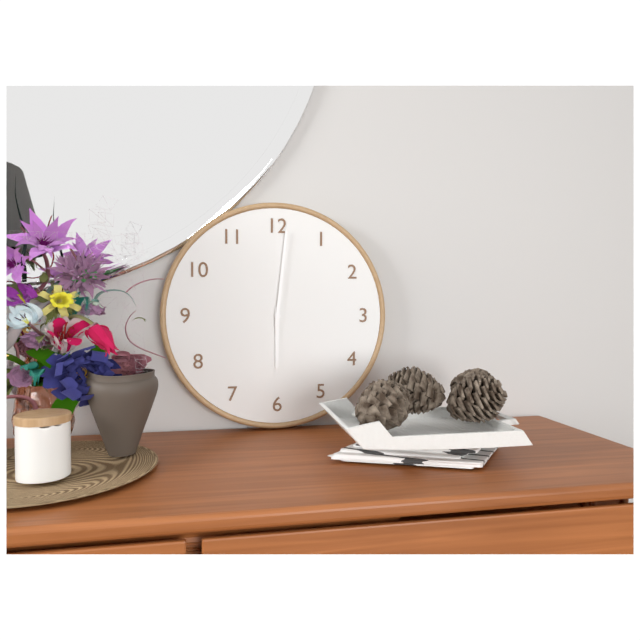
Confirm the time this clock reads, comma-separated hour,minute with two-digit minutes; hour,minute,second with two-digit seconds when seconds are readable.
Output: 6,01
